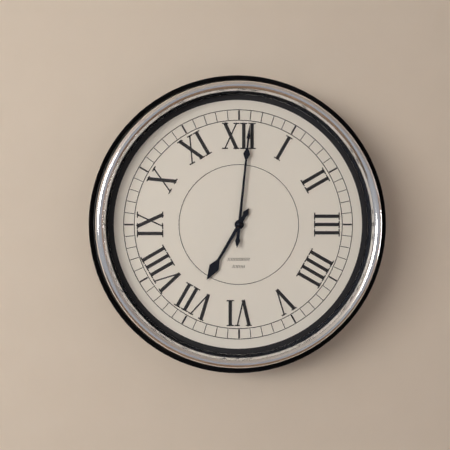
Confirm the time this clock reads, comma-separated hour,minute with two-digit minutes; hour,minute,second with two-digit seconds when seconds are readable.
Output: 7,01
